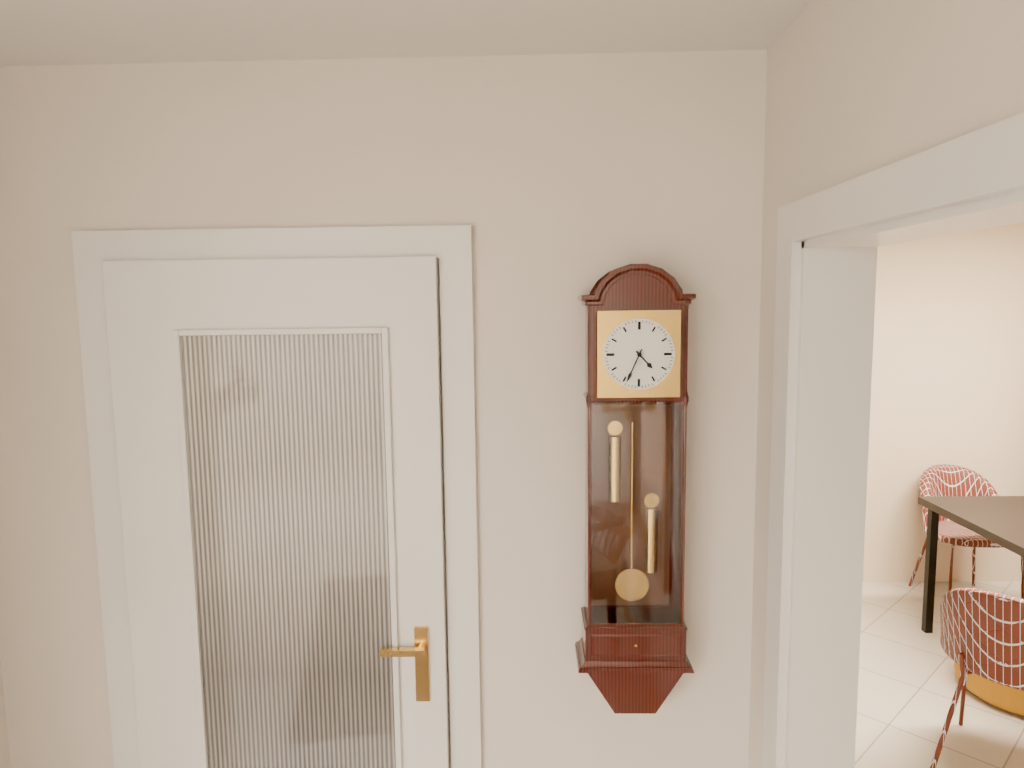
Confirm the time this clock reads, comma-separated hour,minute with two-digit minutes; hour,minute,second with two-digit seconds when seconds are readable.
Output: 4,34
